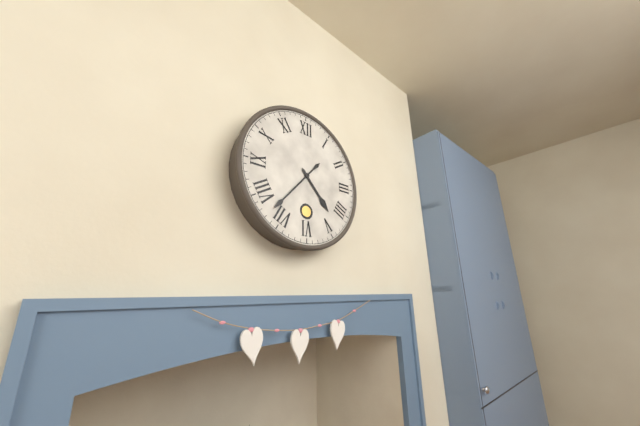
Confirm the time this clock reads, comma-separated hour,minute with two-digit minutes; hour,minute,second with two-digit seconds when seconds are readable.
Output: 4,37
